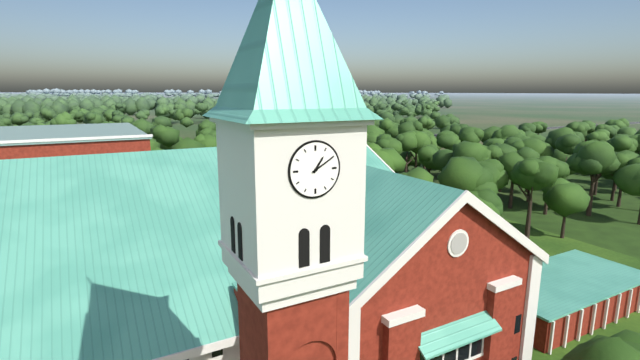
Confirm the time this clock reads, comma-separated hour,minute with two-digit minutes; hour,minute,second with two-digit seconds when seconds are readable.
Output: 1,10
